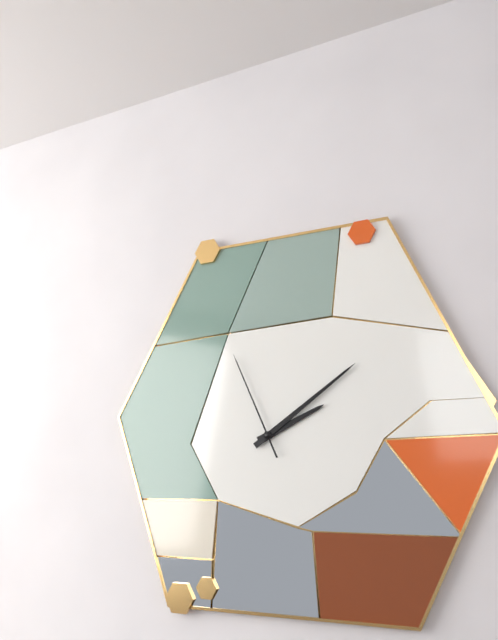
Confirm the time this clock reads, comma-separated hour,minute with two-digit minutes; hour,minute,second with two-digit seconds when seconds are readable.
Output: 2,09,56
